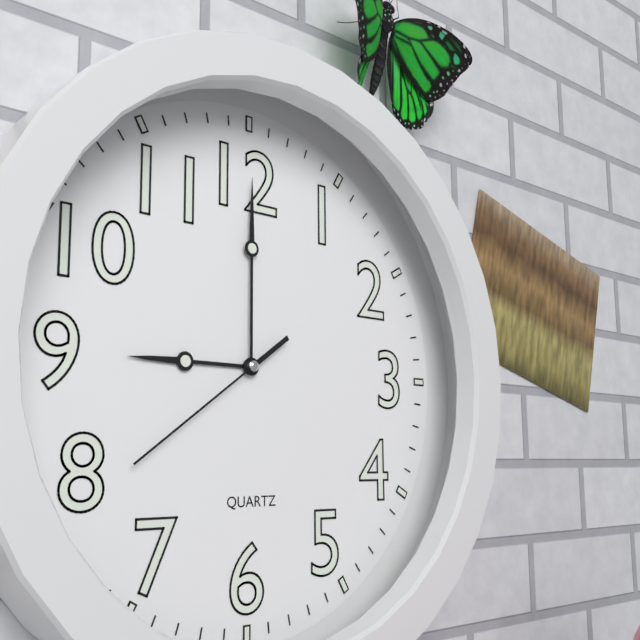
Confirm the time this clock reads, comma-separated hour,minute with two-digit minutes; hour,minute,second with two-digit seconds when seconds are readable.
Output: 9,00,39
